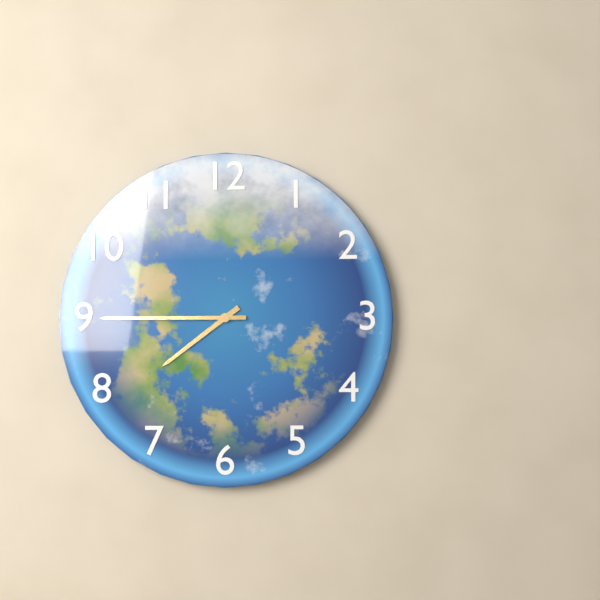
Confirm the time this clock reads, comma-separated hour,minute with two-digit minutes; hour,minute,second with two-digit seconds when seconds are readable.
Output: 7,45
